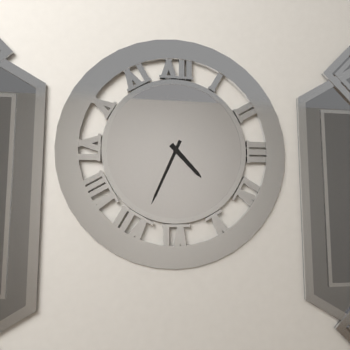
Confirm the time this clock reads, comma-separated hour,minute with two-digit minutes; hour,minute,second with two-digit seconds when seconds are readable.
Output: 4,34
